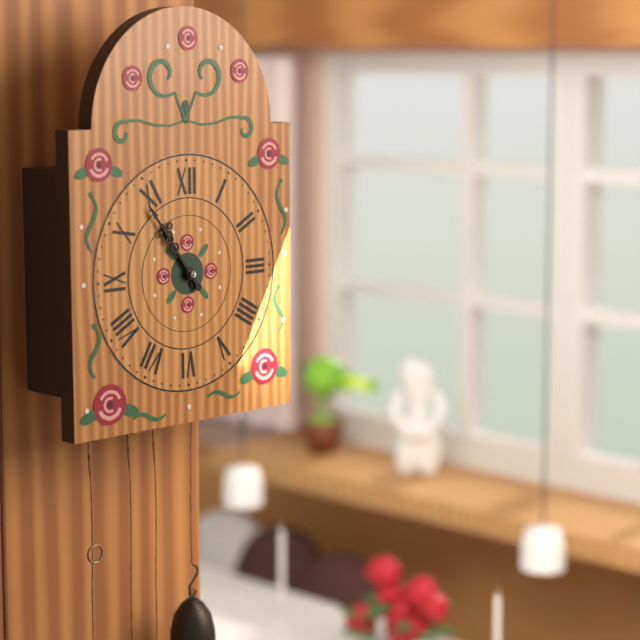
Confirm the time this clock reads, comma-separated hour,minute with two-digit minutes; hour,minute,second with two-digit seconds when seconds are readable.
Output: 10,54
